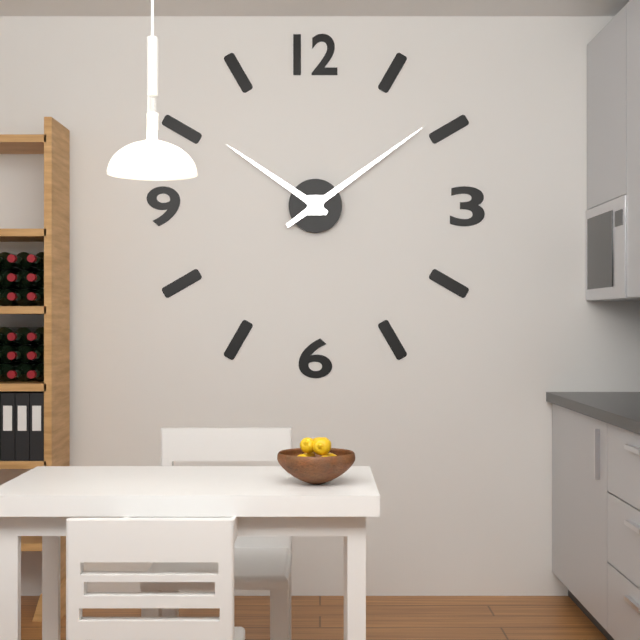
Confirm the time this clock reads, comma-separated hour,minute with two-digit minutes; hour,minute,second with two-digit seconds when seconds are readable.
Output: 10,09
